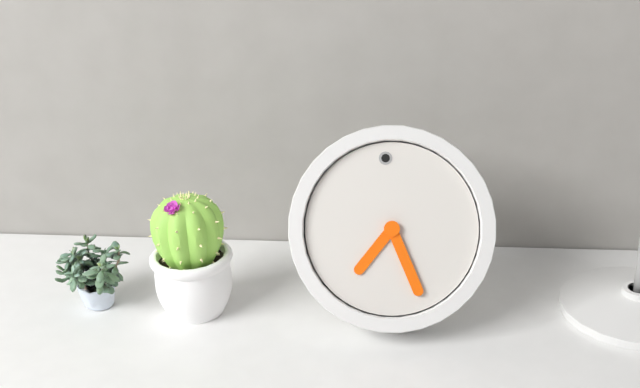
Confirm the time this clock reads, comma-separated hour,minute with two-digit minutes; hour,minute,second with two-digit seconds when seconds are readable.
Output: 7,27
